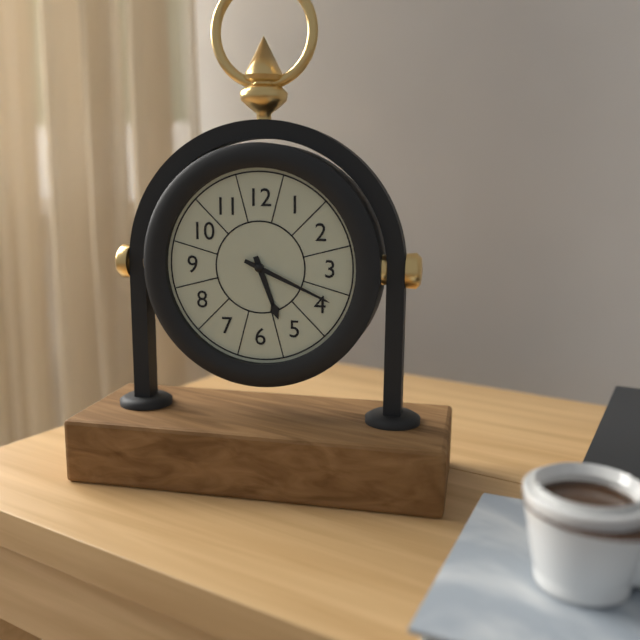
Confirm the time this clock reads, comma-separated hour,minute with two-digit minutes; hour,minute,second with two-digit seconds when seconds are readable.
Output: 5,19
